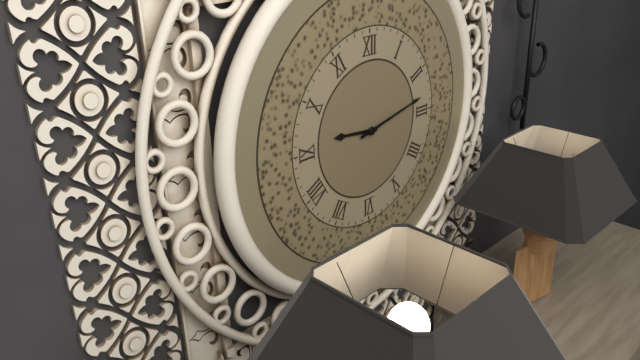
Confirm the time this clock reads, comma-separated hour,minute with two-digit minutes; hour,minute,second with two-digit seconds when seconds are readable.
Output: 9,13
